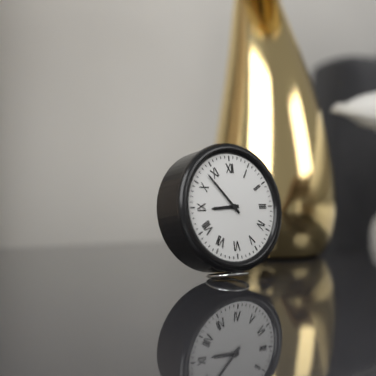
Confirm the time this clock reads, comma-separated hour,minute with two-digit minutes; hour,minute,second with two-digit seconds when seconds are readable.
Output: 8,53
